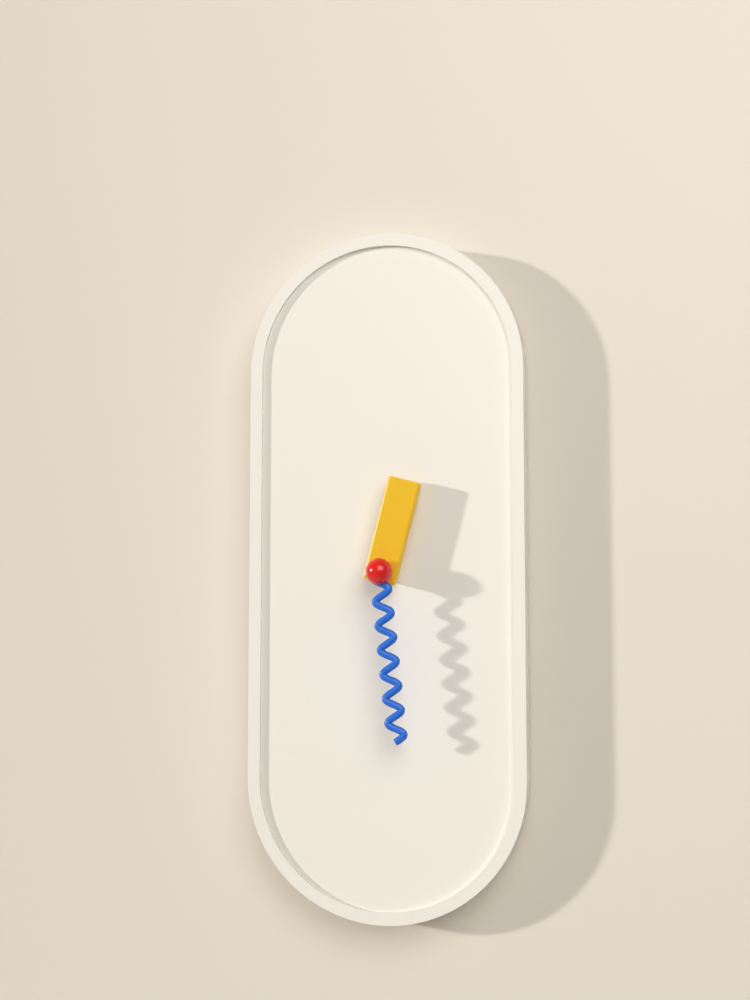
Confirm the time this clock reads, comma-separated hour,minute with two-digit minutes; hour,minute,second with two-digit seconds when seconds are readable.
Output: 12,29
